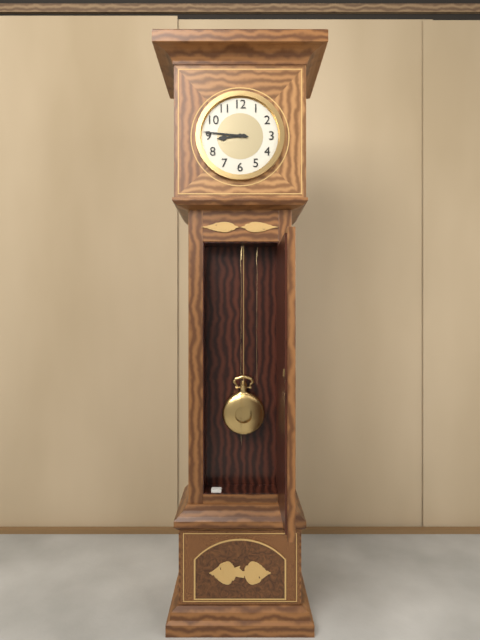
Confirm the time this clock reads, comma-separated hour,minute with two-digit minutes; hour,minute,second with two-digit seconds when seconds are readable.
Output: 8,46
